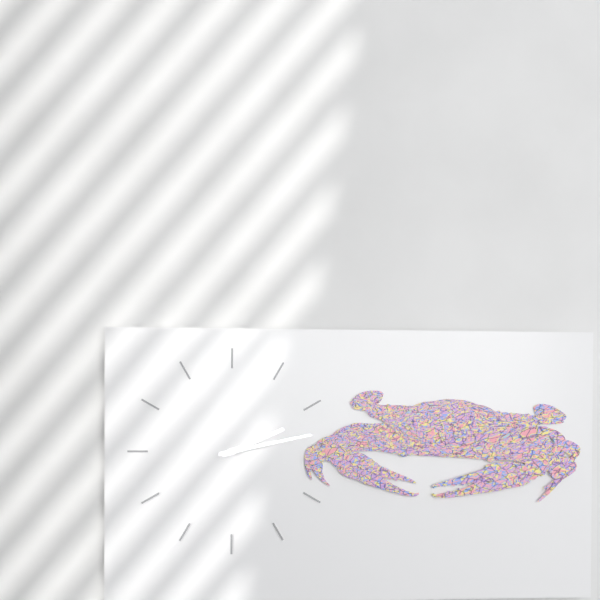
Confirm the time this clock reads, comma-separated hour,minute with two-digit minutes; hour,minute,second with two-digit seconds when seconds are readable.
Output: 2,13
